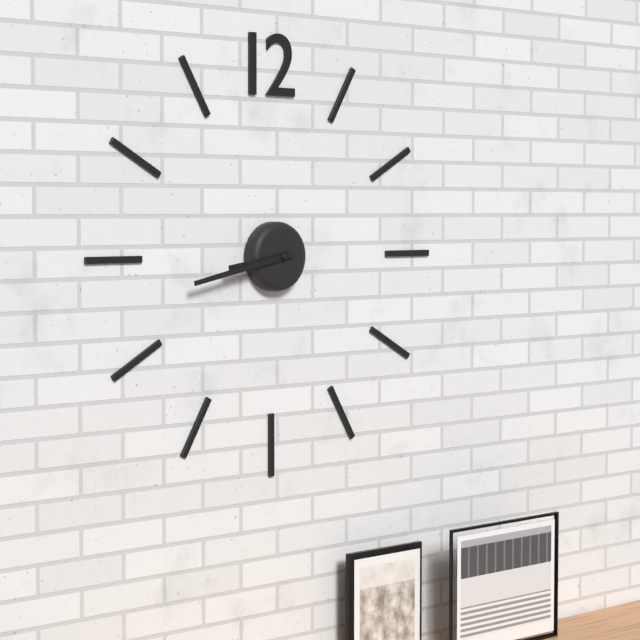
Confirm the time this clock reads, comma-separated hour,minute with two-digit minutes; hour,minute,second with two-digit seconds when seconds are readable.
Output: 8,43
